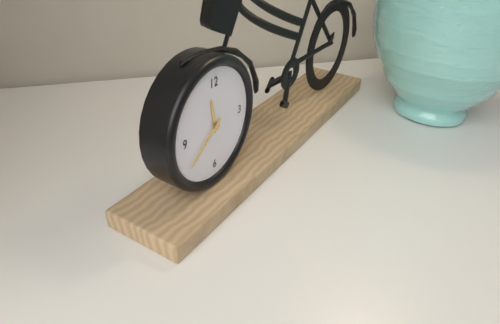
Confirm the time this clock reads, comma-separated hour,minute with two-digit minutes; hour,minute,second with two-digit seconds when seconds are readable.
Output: 11,39
